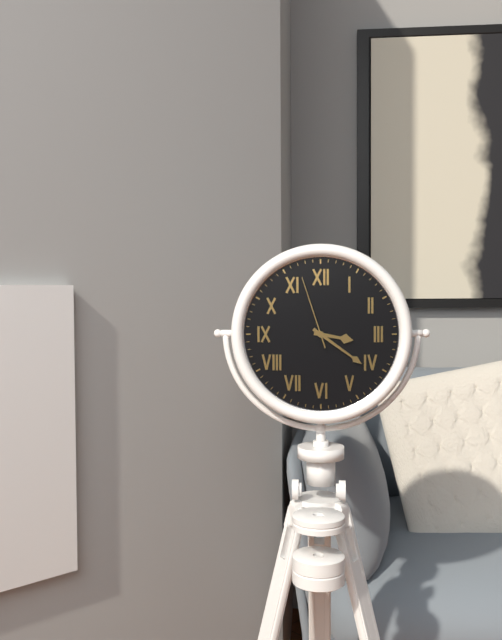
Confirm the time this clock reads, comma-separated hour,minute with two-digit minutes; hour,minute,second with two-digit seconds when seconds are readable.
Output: 3,21,57
